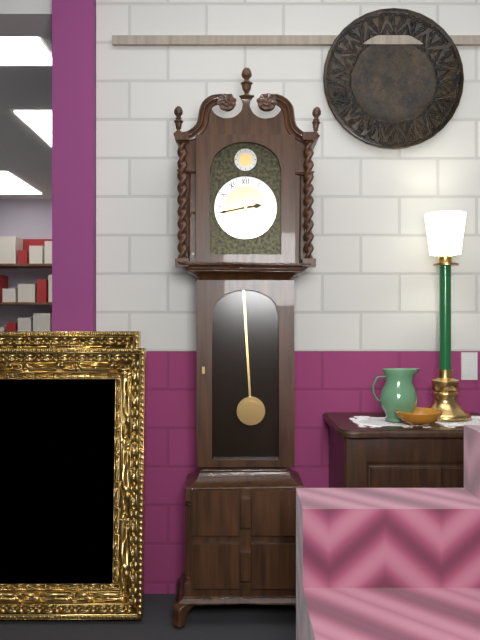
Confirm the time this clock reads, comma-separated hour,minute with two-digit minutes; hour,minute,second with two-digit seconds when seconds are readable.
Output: 2,43
